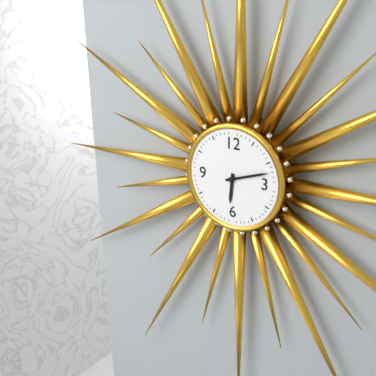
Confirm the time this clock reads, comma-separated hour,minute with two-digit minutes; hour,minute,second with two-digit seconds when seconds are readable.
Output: 6,12
